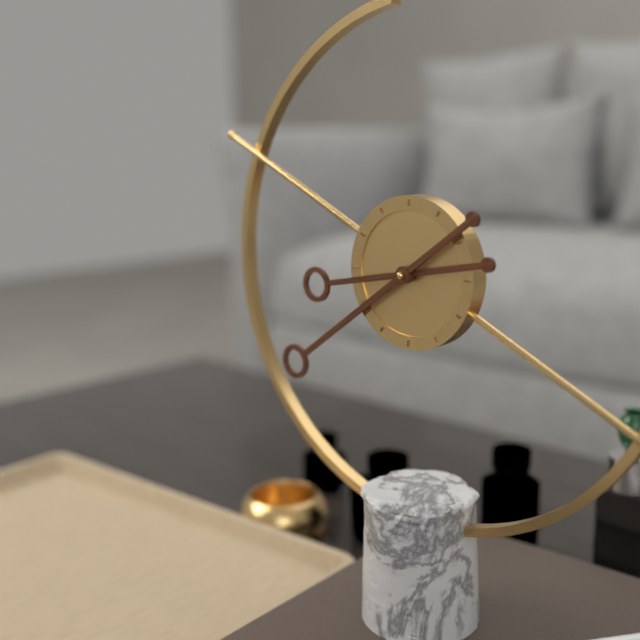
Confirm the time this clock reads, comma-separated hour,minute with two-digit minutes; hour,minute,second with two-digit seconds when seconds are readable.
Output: 8,39
